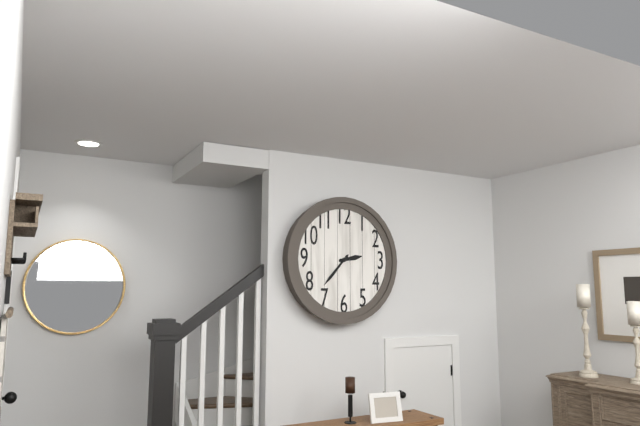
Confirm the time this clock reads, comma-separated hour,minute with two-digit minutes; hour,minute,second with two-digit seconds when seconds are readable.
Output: 2,37
